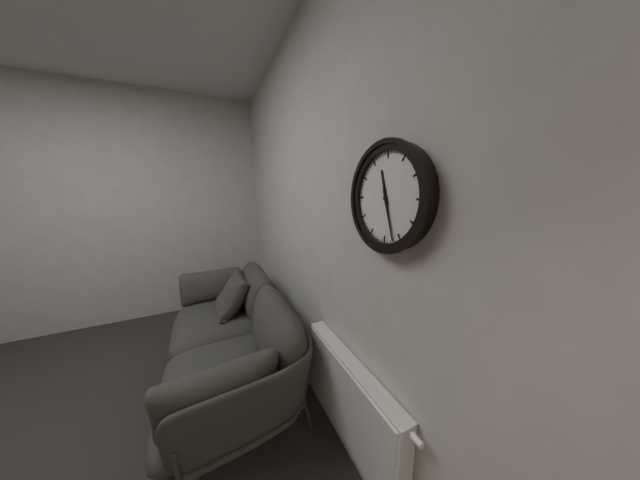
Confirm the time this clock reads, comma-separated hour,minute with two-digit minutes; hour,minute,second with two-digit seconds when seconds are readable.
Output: 11,27
